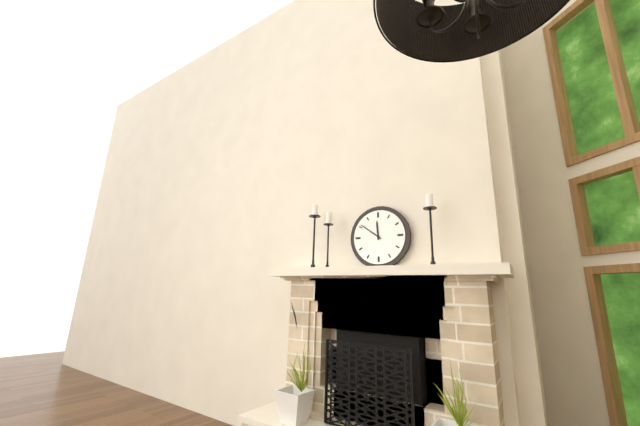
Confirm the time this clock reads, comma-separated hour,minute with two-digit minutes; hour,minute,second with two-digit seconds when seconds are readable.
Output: 11,51
